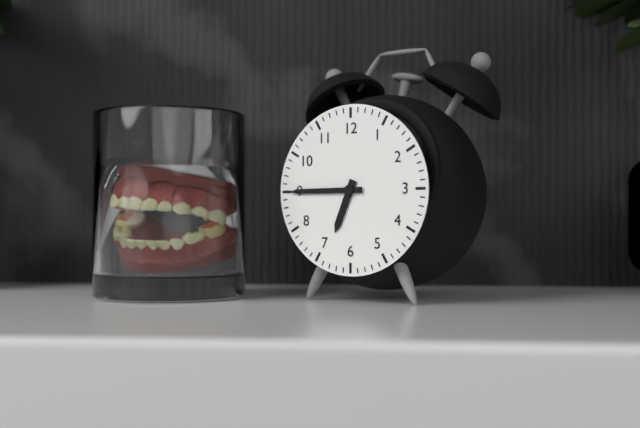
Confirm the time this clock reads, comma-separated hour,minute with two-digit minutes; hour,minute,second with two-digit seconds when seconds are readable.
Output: 6,45
